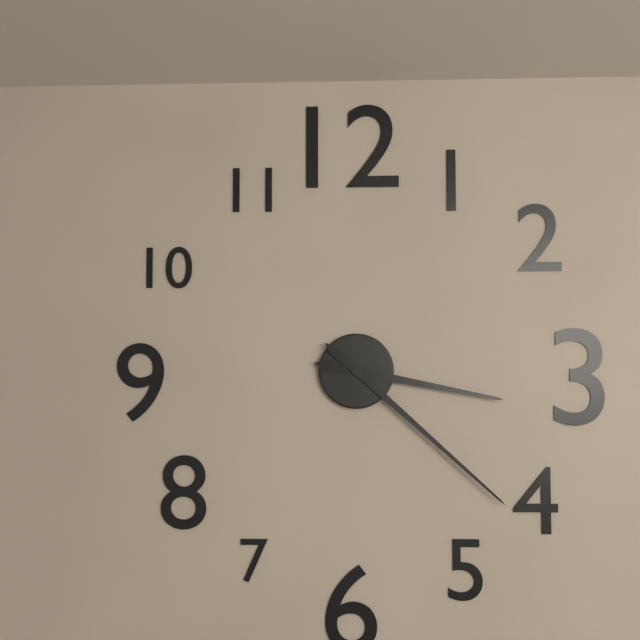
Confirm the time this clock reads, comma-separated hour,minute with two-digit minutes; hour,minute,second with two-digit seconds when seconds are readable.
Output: 3,22
